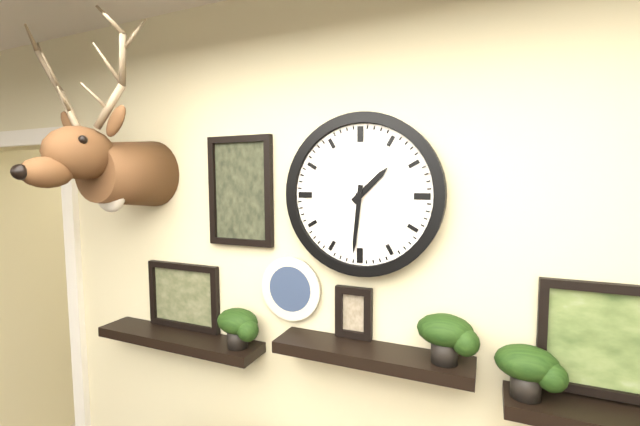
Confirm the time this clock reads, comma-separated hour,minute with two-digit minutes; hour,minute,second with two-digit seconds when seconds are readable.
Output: 1,31
